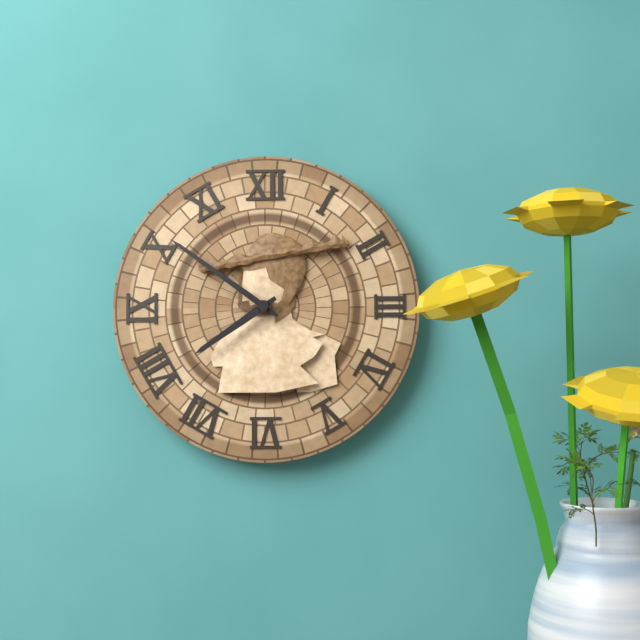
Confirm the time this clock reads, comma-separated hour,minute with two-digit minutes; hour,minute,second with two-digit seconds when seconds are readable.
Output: 7,51
